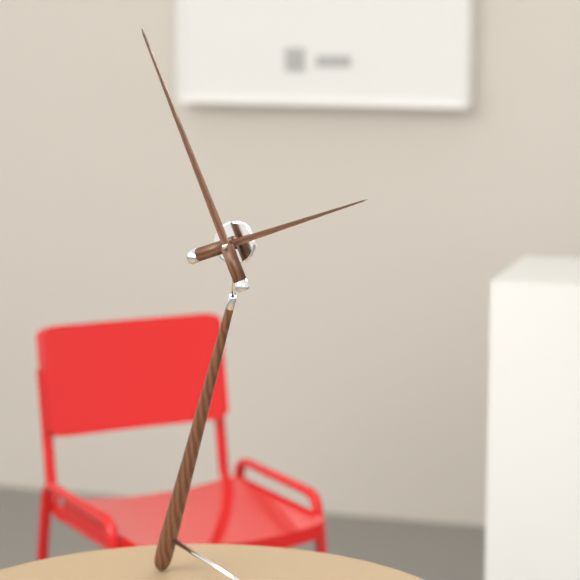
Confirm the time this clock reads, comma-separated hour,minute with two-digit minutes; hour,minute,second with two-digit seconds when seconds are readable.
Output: 1,54
